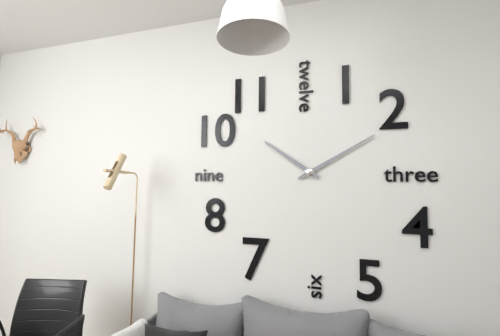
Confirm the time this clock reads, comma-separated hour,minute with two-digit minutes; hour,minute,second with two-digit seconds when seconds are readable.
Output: 10,10
